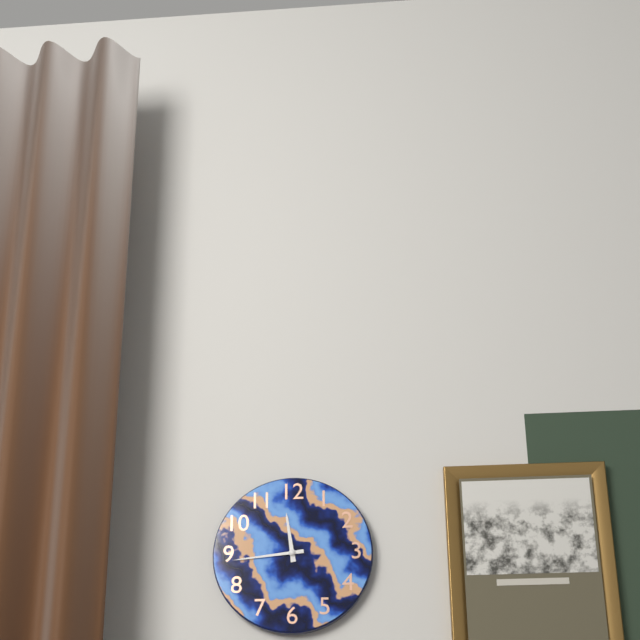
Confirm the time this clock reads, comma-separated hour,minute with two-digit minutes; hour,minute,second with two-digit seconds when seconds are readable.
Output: 11,44
